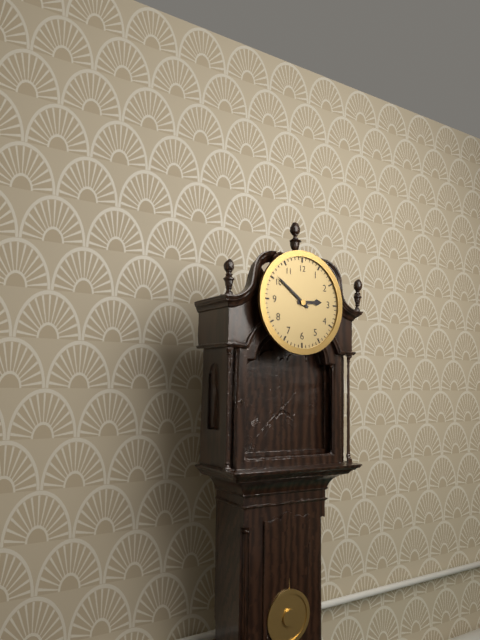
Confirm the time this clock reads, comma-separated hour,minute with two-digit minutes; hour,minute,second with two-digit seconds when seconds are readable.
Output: 2,51
